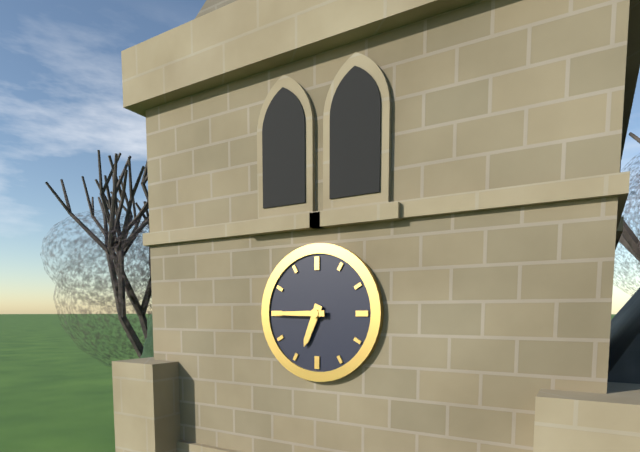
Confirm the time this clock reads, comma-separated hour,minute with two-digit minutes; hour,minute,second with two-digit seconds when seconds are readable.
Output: 6,45
